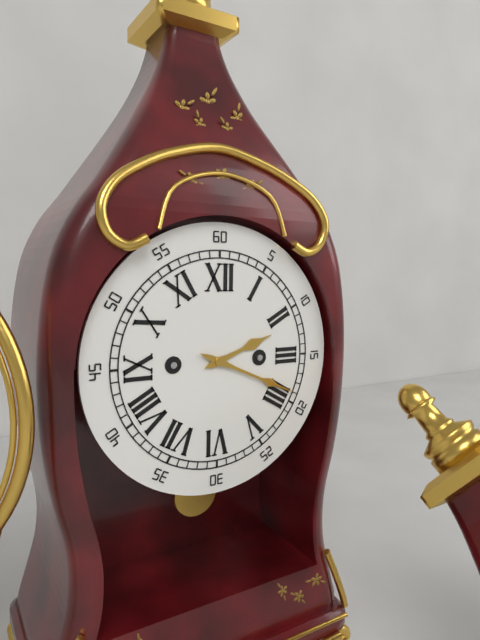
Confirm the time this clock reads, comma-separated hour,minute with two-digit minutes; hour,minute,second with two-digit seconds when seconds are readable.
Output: 2,19
